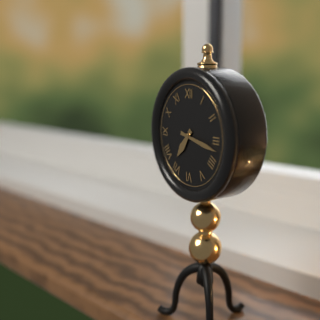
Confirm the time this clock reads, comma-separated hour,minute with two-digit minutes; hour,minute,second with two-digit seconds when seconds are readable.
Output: 7,17
